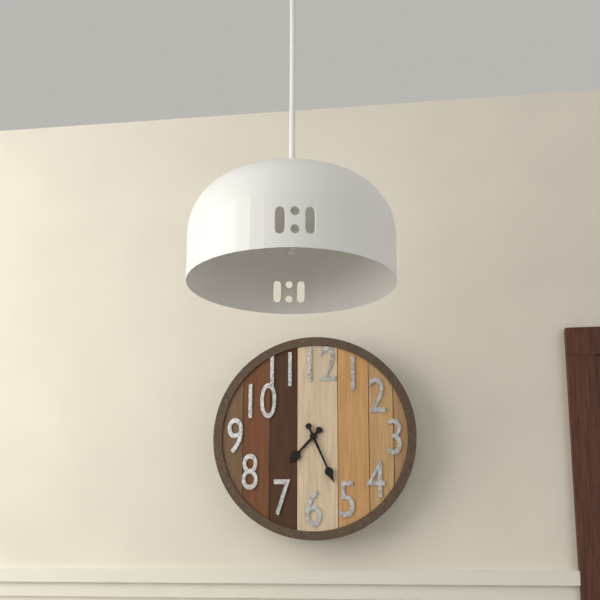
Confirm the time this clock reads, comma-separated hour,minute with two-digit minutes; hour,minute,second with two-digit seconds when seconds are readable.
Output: 7,26
